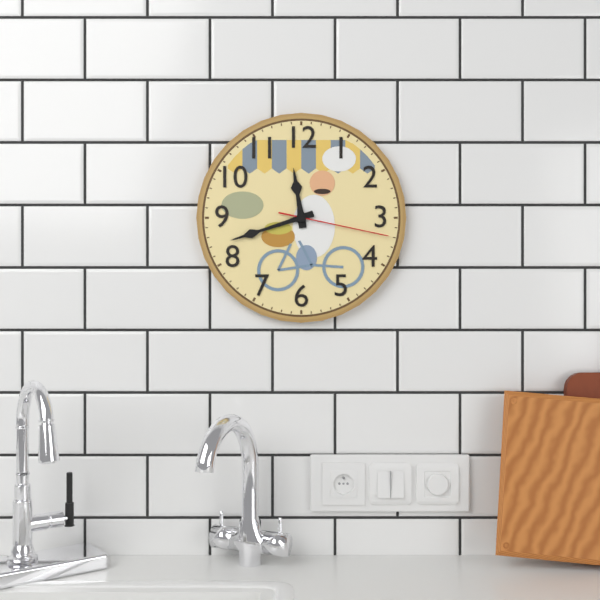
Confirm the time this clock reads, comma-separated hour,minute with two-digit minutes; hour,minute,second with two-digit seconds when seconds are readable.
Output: 11,42,17
